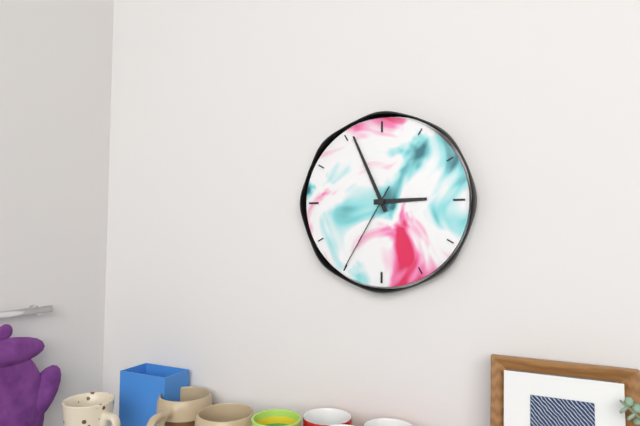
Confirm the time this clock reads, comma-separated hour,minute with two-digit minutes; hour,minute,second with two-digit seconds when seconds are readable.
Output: 2,56,35
